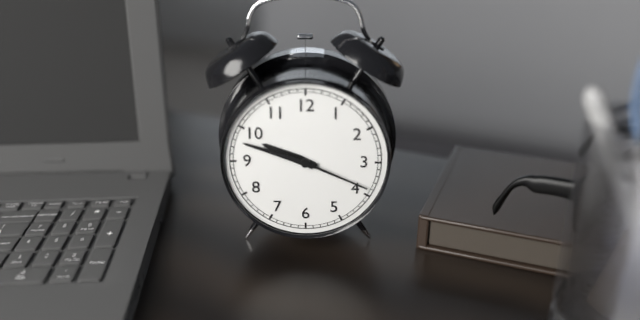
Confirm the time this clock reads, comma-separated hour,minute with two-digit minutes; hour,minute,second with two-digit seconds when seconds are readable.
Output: 9,48,19
